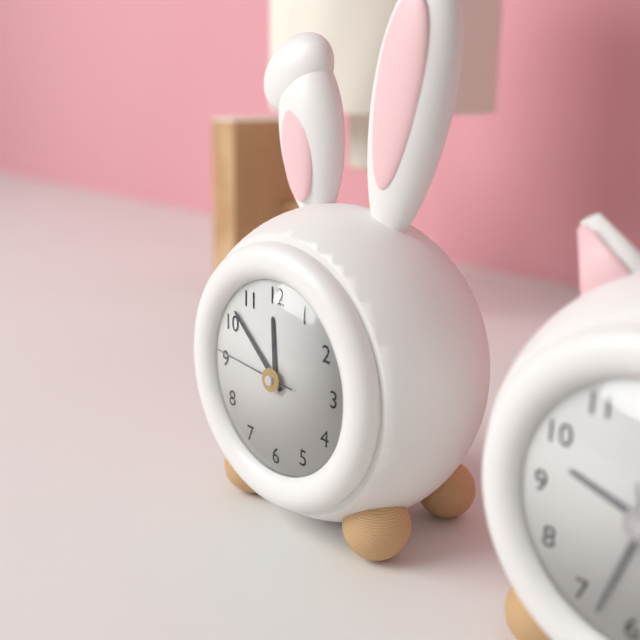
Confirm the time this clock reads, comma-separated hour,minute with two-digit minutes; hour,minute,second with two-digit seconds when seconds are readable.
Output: 11,52,46
